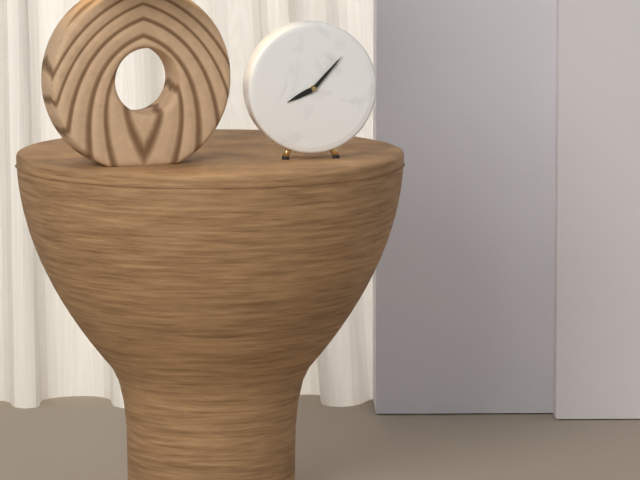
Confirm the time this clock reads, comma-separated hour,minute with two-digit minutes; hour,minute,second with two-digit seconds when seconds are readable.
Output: 8,07
